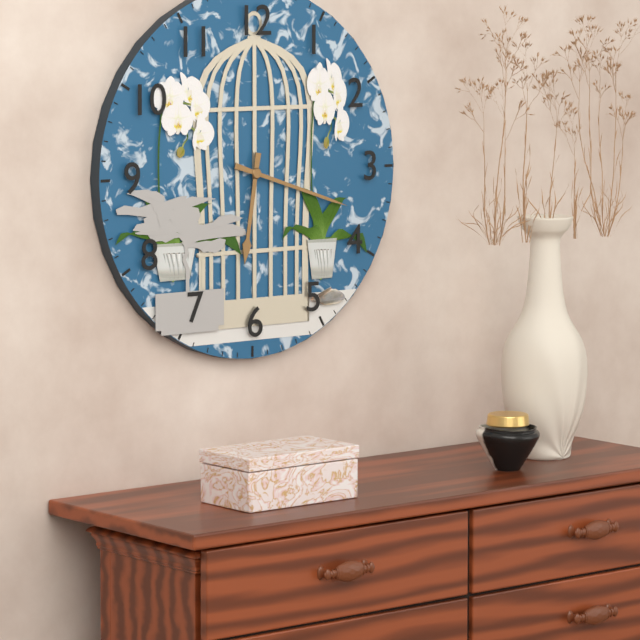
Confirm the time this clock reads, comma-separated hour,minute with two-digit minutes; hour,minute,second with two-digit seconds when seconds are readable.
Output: 6,18
